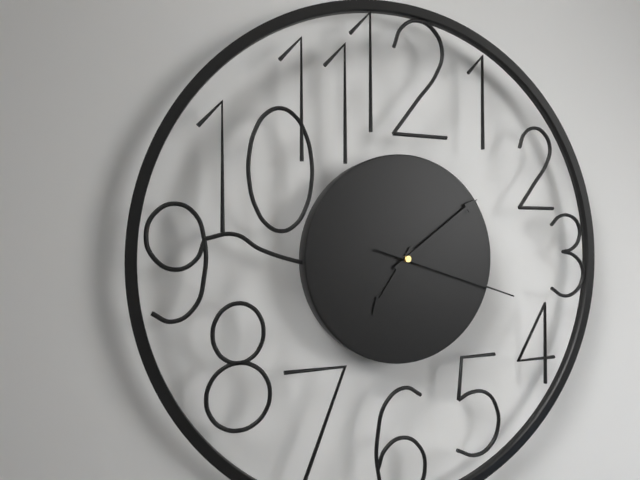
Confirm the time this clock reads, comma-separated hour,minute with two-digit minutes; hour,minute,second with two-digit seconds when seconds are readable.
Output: 7,09,18
